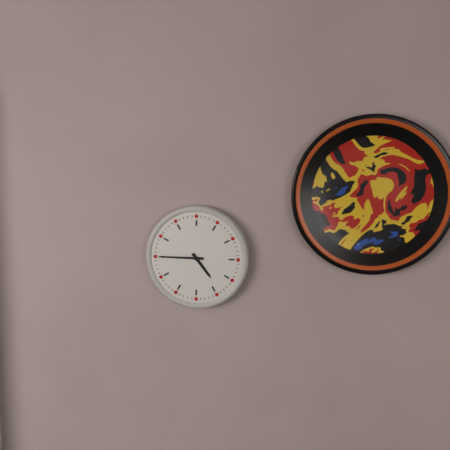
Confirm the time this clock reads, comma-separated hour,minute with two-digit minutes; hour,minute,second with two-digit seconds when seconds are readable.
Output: 4,45
